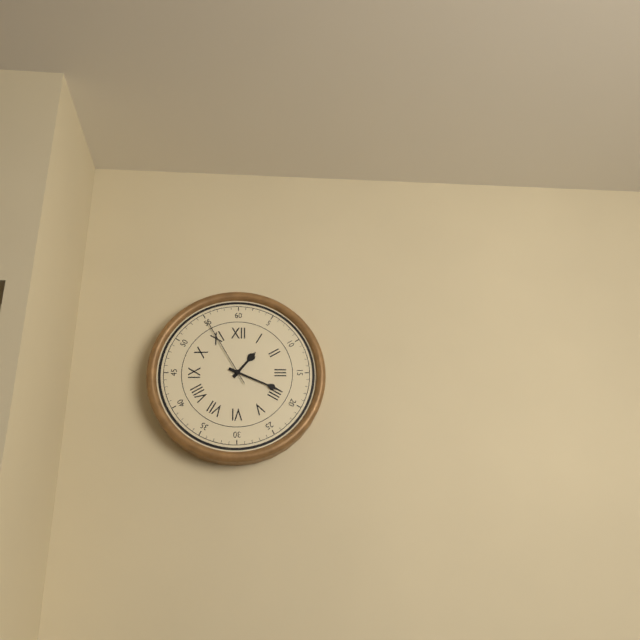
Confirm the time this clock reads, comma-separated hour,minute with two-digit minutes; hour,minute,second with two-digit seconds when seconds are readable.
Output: 1,19,55
